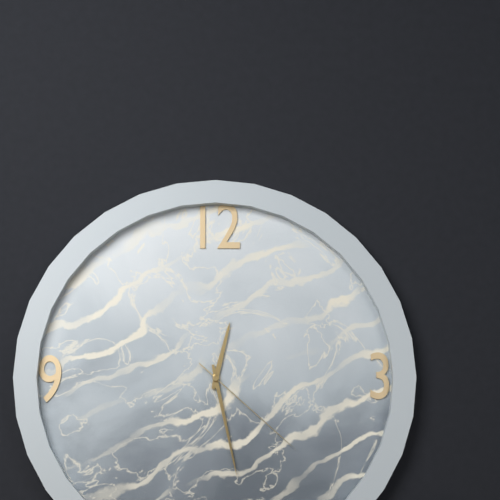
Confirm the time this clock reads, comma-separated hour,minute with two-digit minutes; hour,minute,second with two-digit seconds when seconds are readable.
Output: 12,28,22
